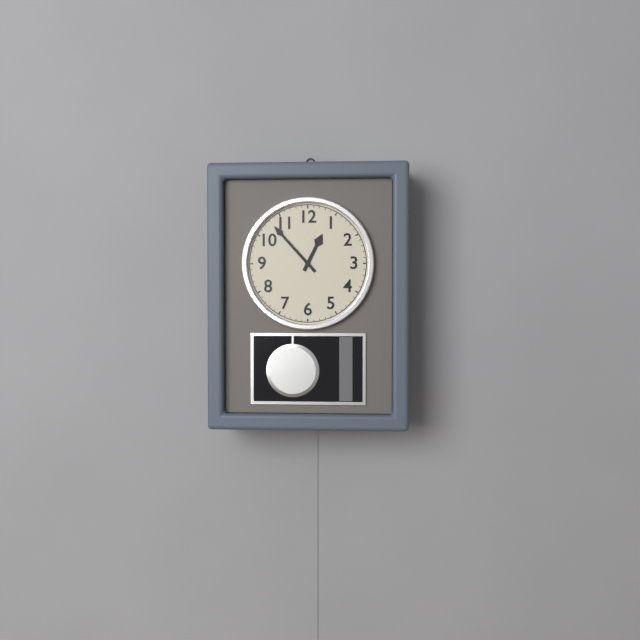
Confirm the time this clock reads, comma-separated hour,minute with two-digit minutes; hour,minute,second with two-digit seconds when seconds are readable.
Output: 12,53
